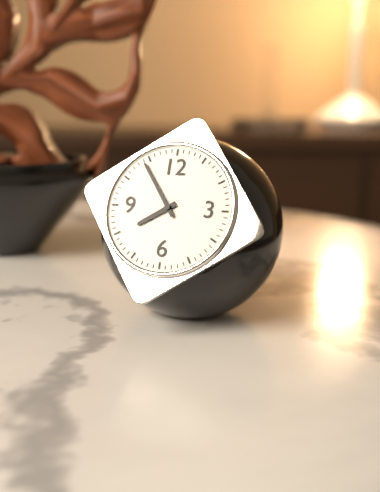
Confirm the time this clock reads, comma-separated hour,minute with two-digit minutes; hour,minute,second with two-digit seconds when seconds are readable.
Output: 7,54
